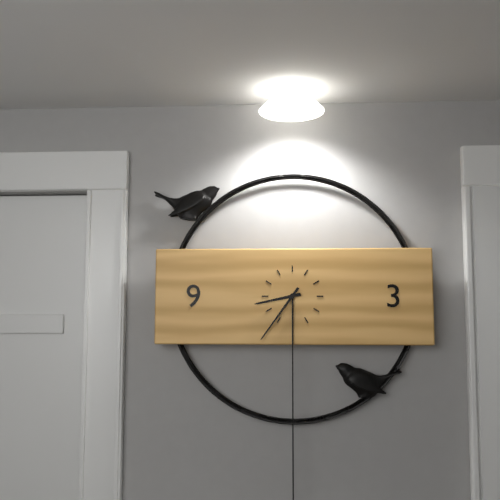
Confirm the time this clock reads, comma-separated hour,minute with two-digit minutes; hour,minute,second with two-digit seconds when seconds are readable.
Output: 8,36
